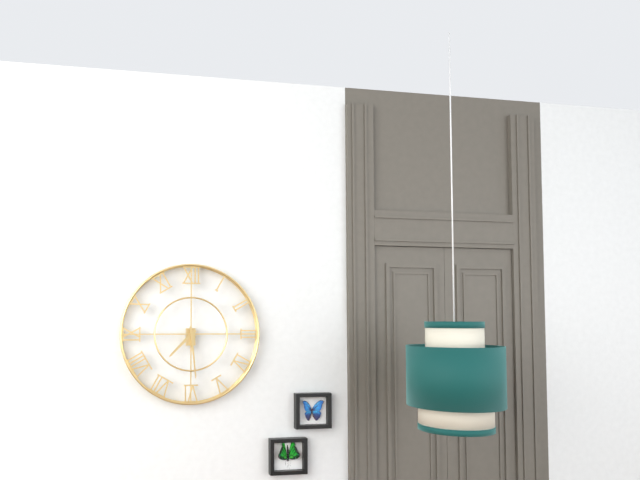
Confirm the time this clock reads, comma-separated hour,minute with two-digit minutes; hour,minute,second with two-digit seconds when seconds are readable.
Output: 7,29
